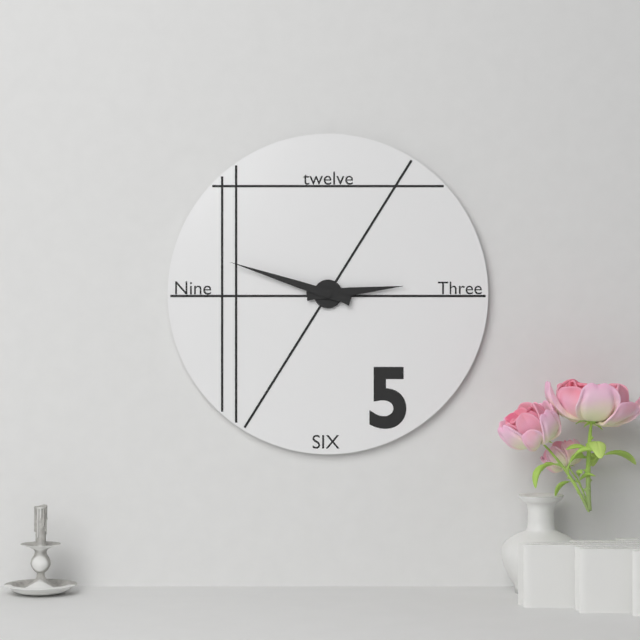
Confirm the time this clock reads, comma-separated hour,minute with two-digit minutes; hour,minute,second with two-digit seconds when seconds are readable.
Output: 2,48
